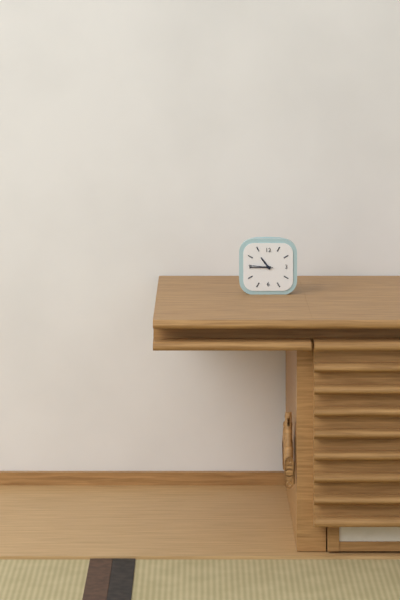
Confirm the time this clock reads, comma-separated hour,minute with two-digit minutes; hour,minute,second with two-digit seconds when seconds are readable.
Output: 10,45
